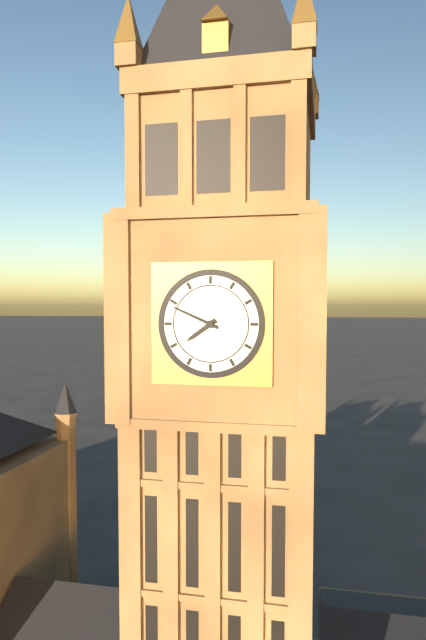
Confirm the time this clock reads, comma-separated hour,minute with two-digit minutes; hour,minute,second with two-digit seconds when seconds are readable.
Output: 7,49
